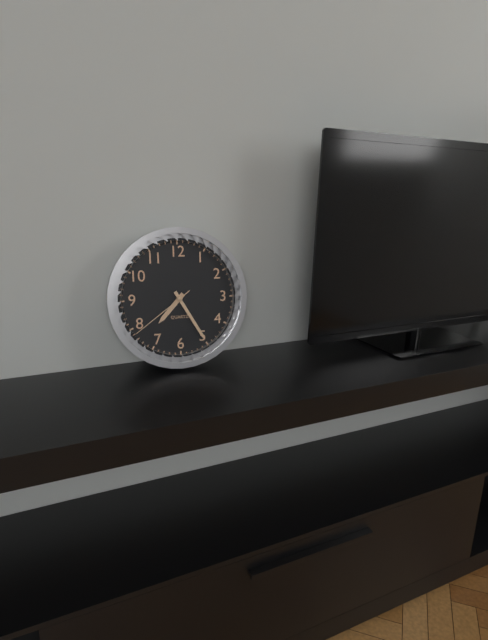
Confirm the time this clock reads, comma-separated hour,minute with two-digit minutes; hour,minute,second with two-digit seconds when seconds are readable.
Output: 7,25,39
